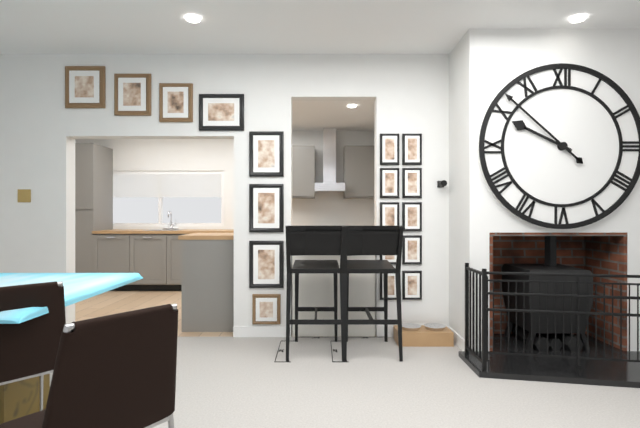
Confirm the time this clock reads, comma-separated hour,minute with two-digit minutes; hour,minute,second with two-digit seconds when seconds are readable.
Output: 9,52
